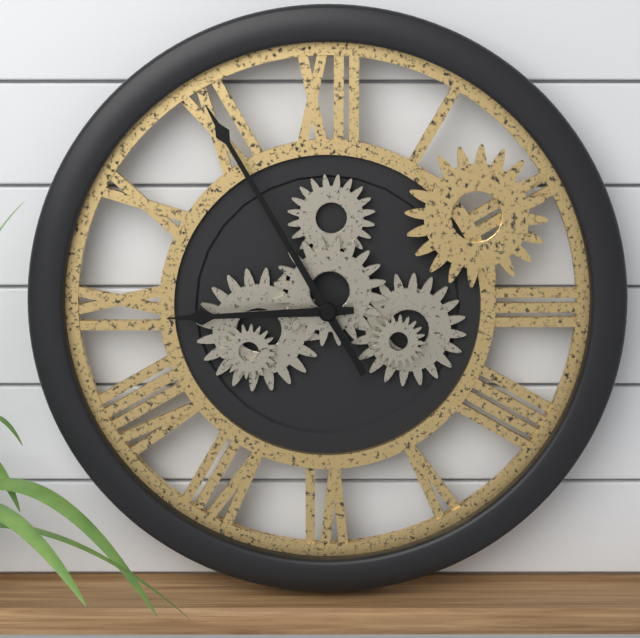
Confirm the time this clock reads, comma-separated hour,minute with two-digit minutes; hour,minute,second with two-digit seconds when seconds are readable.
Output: 8,55
